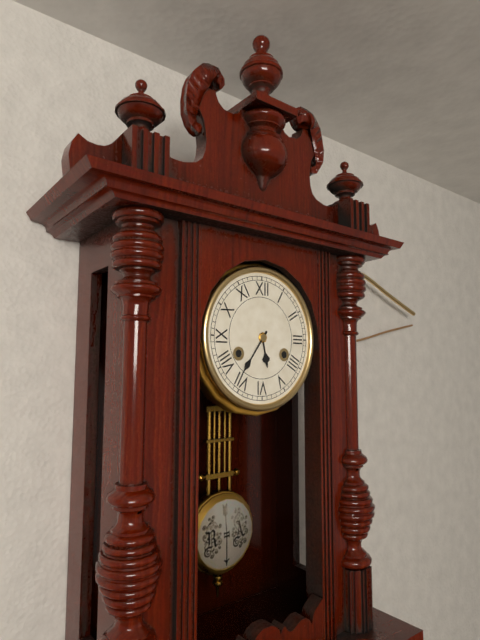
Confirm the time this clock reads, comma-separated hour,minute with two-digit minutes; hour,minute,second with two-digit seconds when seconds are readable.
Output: 5,36
